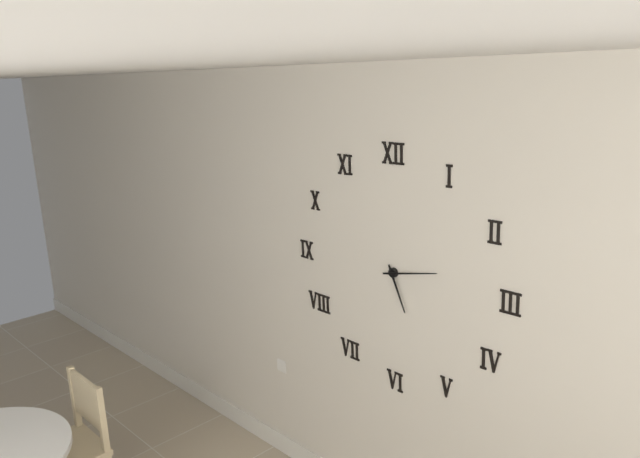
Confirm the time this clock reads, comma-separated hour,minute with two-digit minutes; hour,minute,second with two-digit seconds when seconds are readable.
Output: 5,13
